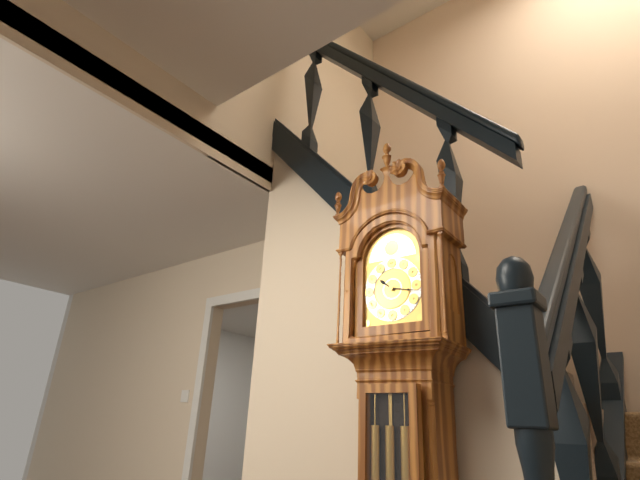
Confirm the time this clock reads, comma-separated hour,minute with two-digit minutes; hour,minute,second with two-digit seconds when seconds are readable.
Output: 10,17
